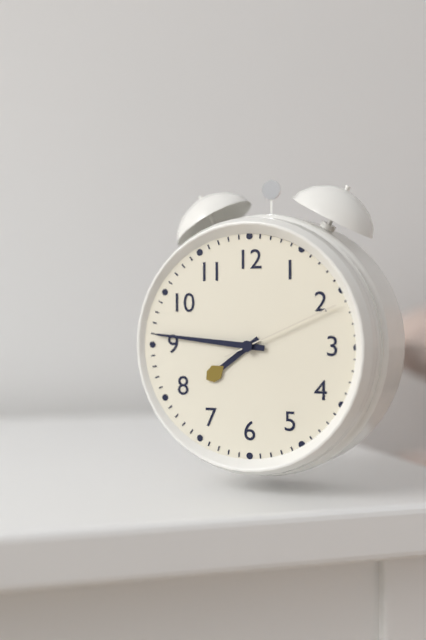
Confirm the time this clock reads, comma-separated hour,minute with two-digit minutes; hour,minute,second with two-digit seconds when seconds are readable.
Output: 7,46,11
